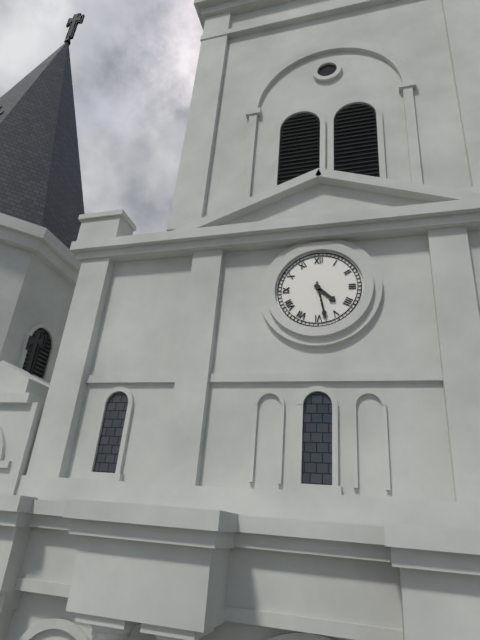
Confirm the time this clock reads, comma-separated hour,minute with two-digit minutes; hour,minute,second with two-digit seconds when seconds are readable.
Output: 4,28
